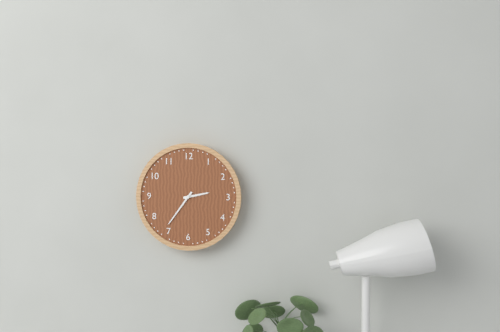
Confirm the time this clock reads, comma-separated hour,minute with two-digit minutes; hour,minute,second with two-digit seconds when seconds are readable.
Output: 2,36
